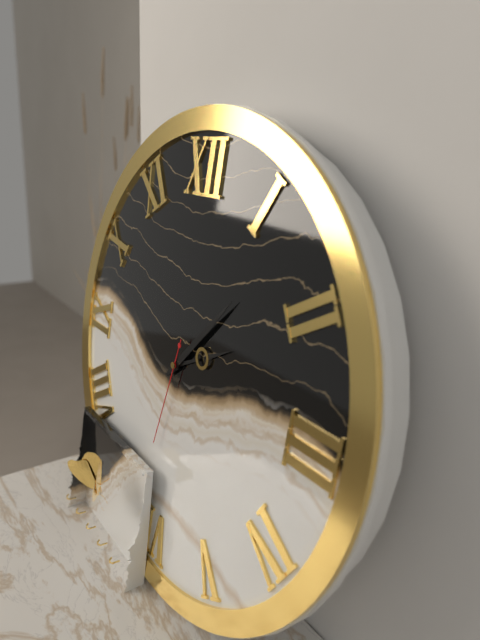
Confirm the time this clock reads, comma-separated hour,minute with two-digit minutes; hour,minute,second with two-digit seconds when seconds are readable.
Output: 2,07,32
